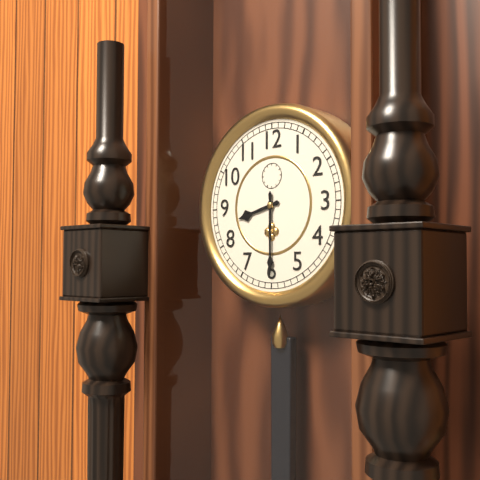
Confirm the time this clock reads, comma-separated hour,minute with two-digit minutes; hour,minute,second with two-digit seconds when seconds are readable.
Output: 8,30
